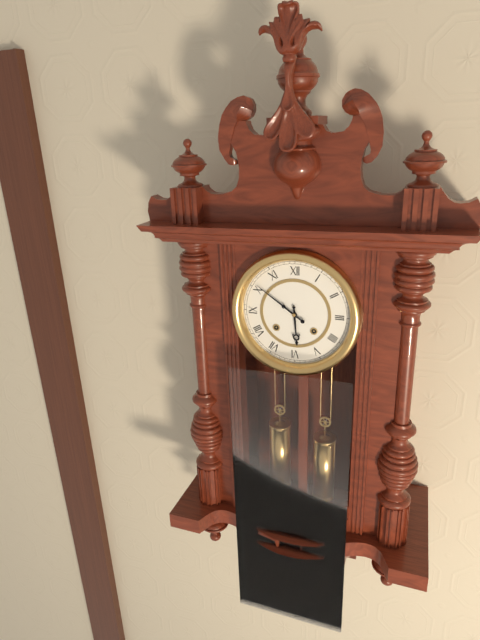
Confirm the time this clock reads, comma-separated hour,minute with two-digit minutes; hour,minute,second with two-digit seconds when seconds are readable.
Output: 5,51
